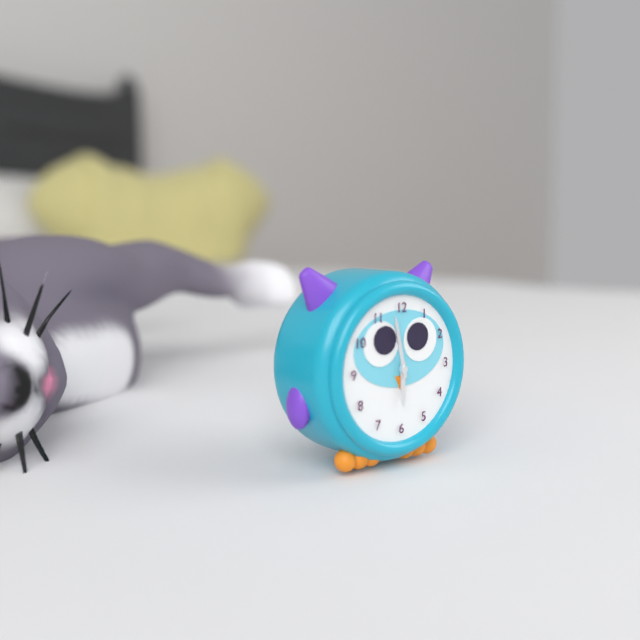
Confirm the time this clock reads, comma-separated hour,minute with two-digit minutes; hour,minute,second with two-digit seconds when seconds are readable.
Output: 5,58
